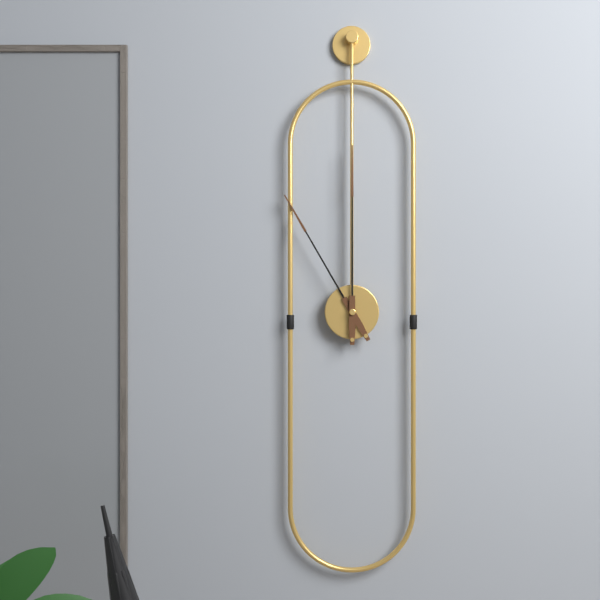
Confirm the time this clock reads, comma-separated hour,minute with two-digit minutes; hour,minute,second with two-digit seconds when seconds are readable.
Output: 11,00
